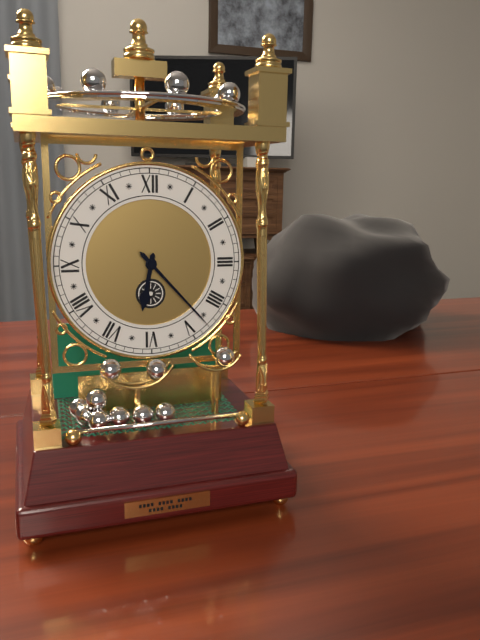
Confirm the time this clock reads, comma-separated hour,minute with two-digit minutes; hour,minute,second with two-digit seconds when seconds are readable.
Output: 6,23
